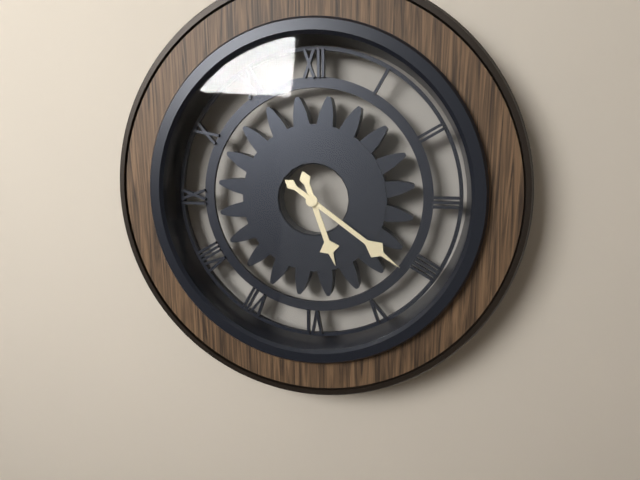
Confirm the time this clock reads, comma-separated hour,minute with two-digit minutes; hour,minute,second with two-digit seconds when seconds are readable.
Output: 5,21
